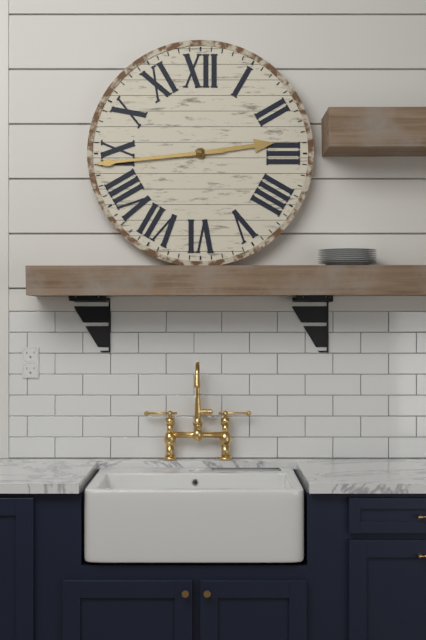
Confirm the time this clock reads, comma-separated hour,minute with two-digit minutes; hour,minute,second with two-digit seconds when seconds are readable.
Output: 2,44
